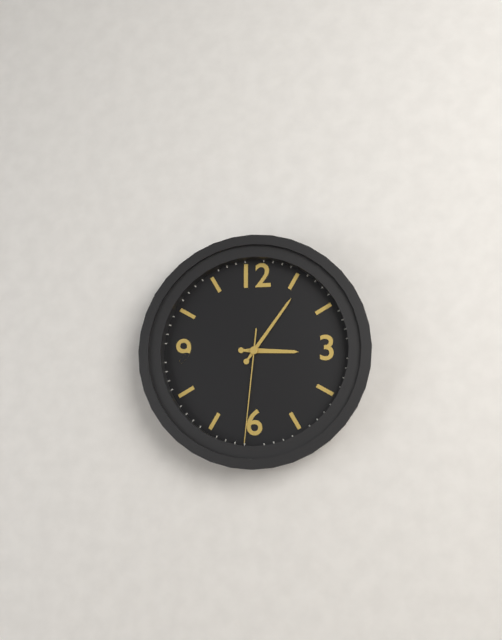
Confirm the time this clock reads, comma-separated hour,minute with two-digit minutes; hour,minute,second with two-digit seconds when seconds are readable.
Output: 3,06,31
